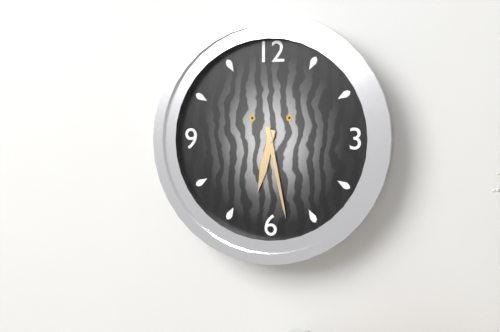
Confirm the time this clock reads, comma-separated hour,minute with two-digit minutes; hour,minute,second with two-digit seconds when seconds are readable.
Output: 6,28
